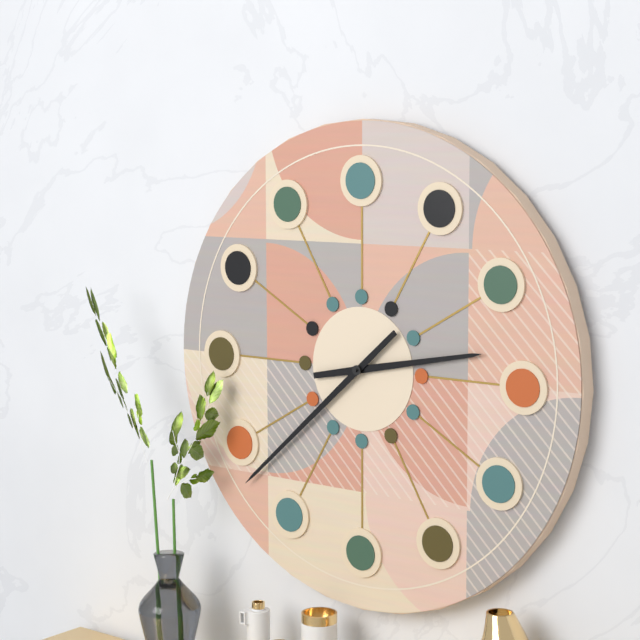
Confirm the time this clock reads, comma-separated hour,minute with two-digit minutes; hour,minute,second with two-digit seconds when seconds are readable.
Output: 2,38
